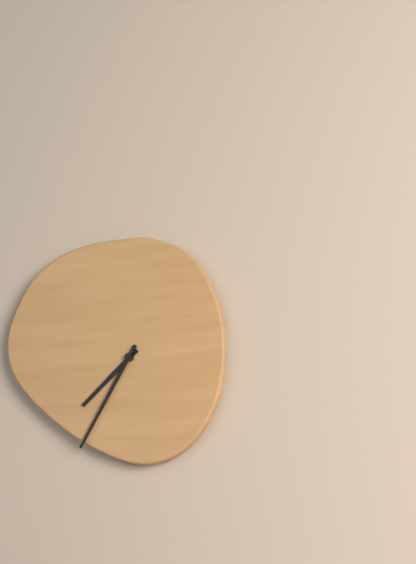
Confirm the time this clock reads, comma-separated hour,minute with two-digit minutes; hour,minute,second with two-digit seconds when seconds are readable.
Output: 7,35
